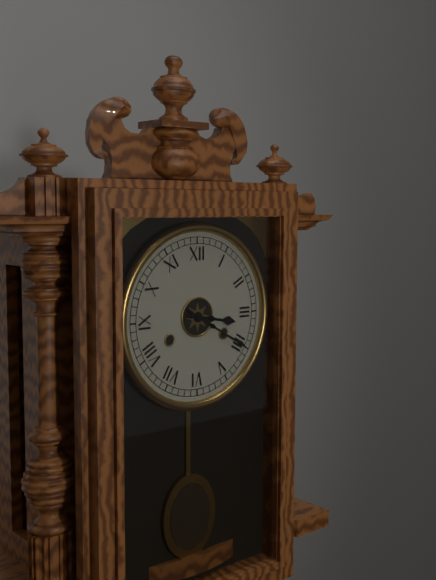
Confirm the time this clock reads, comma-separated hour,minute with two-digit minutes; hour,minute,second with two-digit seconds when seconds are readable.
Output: 3,20
